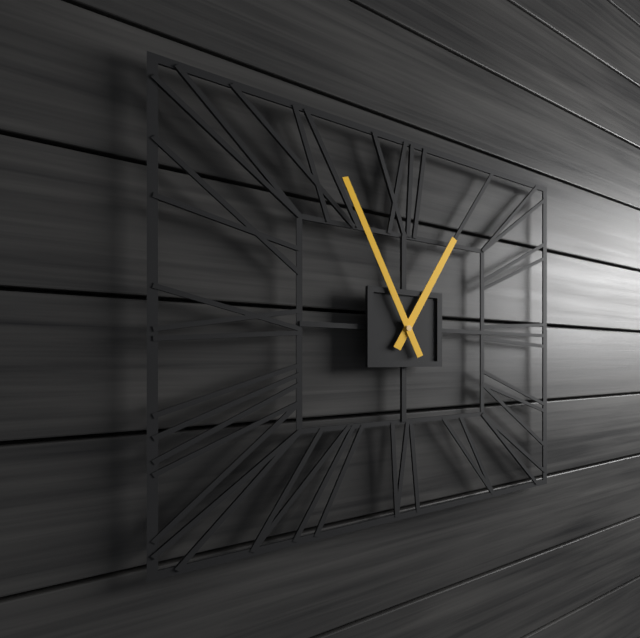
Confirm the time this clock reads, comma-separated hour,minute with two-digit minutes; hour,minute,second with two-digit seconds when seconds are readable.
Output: 12,56
